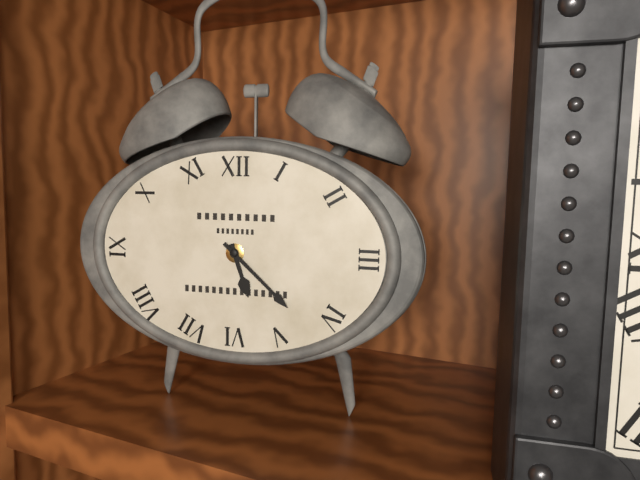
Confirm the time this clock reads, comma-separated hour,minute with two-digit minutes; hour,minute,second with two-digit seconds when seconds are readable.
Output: 5,22
